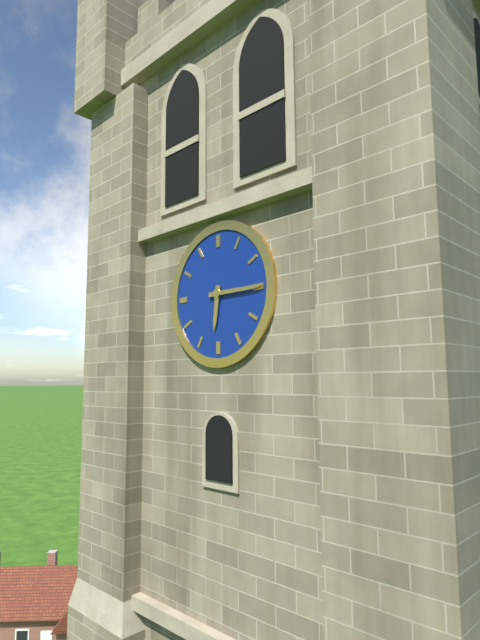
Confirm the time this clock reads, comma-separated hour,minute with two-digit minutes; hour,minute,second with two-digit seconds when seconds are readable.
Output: 6,15
